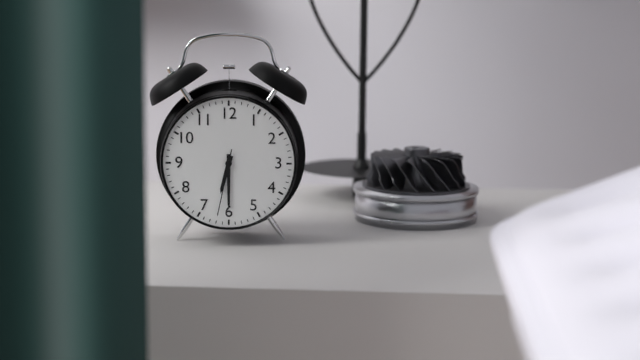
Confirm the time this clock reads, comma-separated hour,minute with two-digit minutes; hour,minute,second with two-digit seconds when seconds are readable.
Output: 6,30,32
